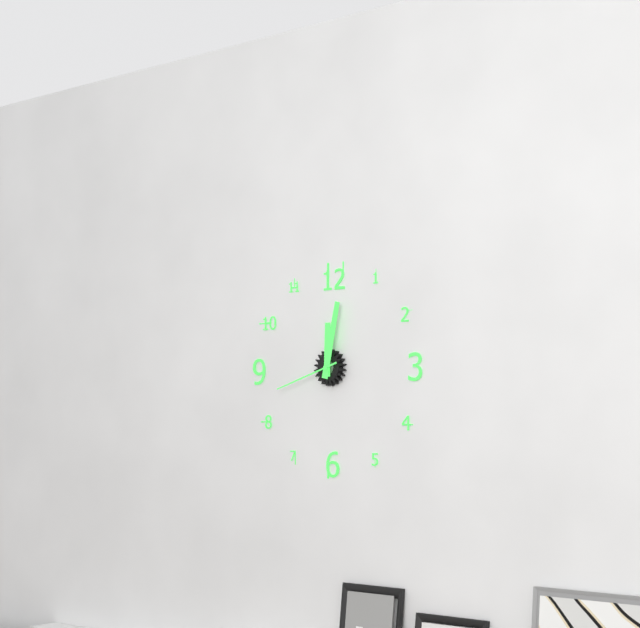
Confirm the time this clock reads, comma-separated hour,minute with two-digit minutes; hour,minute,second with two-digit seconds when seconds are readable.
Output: 12,02,42
